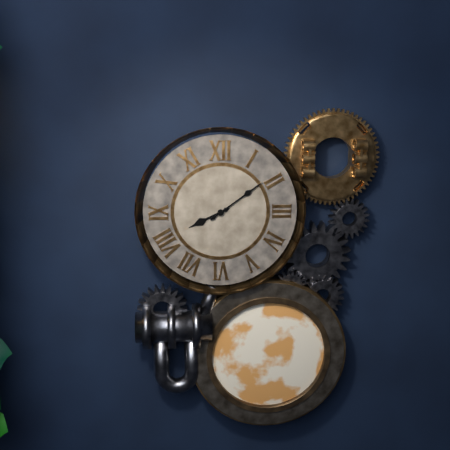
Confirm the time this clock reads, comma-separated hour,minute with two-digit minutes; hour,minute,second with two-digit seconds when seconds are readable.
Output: 8,09
